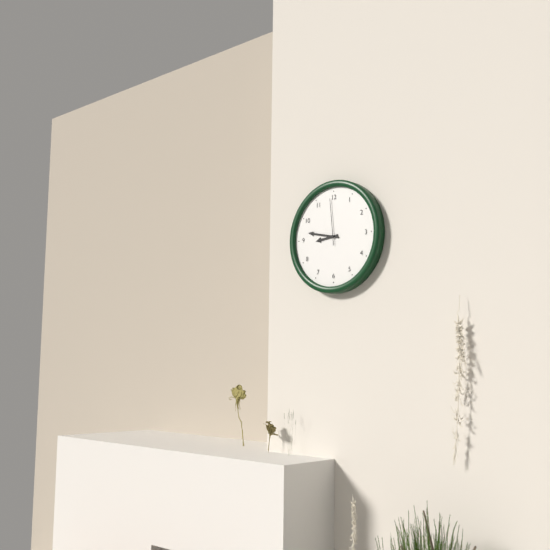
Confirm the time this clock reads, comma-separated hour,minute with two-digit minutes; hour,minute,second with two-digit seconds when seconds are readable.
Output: 8,47
